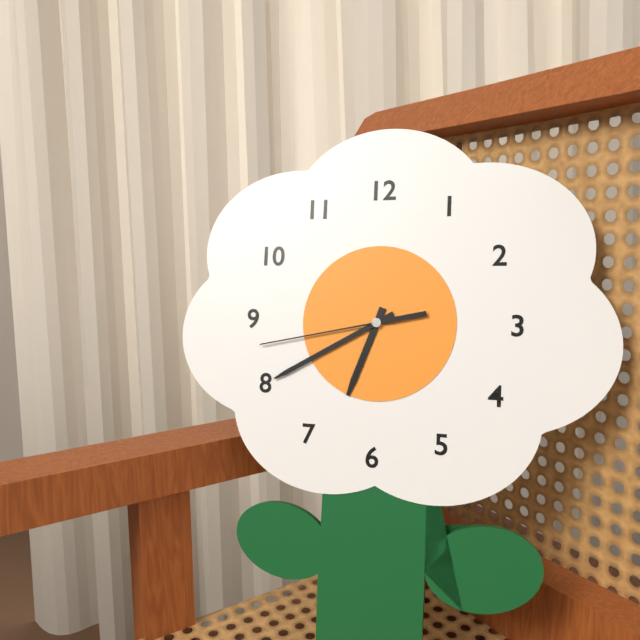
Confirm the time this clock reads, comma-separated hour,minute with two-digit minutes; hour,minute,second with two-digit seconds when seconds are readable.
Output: 6,40,43
